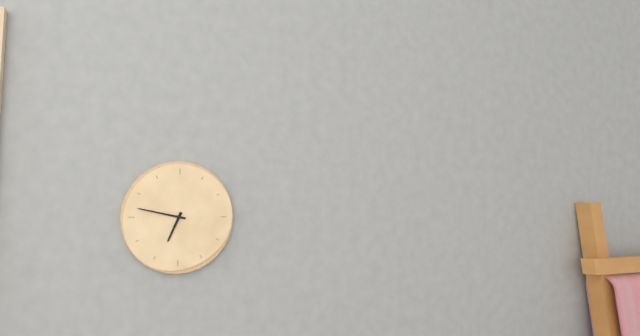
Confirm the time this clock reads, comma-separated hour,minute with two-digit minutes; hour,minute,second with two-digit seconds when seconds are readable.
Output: 6,47
